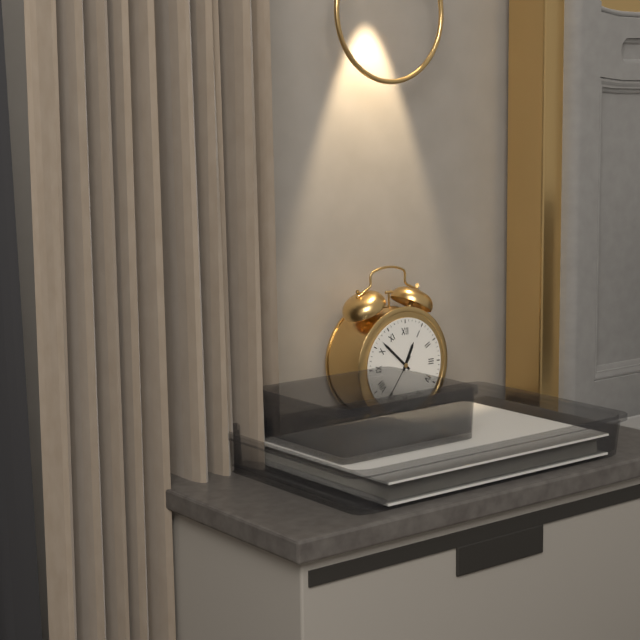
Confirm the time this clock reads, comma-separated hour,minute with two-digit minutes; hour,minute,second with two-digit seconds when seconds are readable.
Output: 12,52
